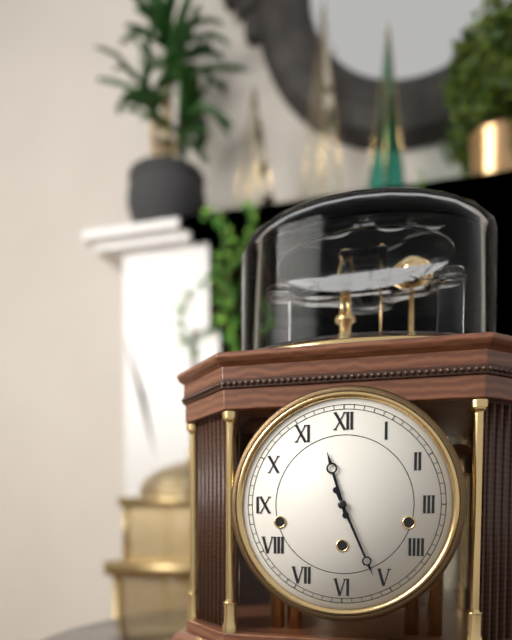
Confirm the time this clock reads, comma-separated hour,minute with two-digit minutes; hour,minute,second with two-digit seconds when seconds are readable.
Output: 11,26
